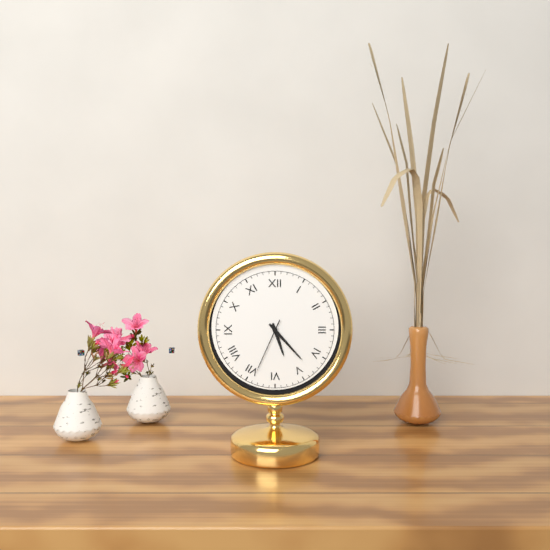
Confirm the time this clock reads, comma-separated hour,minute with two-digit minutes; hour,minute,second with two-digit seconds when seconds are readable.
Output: 5,23,34
